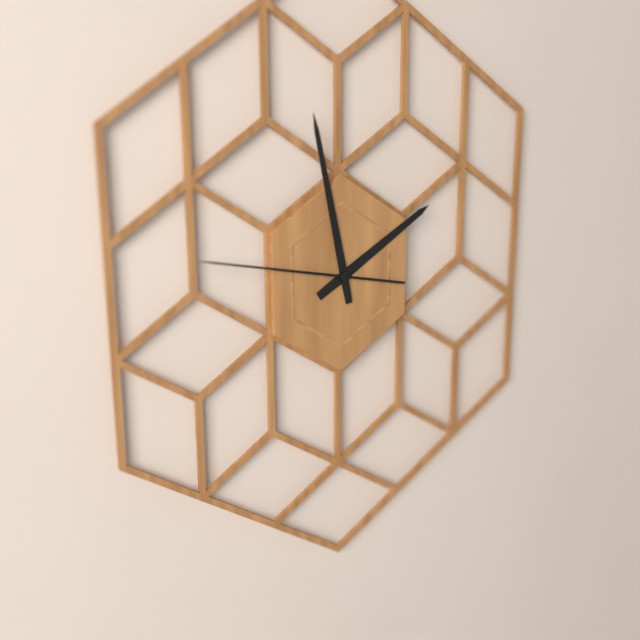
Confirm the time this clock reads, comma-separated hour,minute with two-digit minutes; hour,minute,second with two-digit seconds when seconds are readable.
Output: 1,58,47
